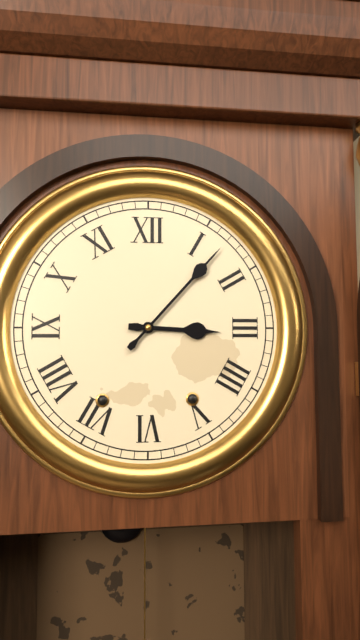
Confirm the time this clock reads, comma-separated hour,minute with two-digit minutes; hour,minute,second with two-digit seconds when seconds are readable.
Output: 3,07
